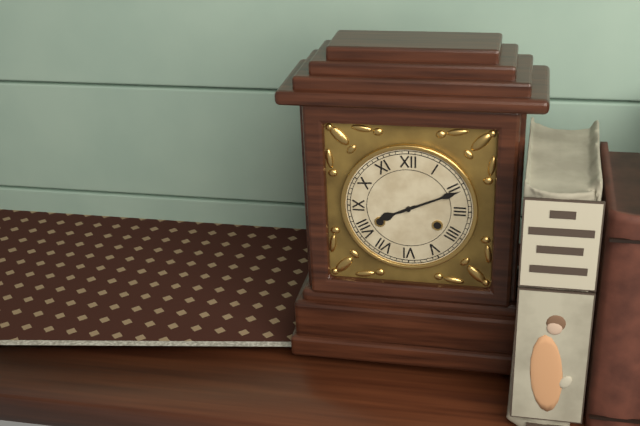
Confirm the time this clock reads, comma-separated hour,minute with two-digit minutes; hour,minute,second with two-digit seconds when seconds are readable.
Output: 8,11
